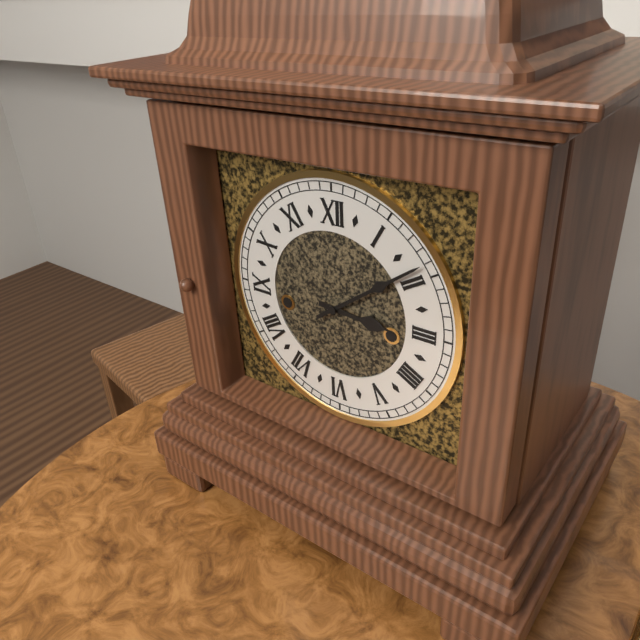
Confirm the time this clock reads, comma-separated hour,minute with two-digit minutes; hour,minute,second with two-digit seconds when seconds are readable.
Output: 3,09
